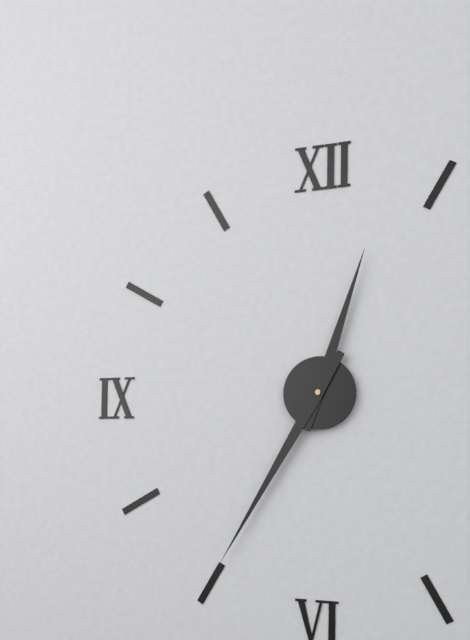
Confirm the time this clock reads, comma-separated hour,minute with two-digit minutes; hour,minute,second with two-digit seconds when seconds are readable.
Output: 12,35
